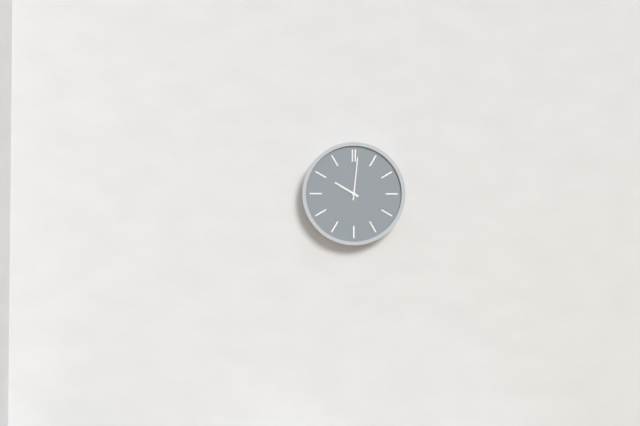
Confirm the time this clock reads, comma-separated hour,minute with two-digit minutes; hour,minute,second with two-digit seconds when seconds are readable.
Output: 10,01
